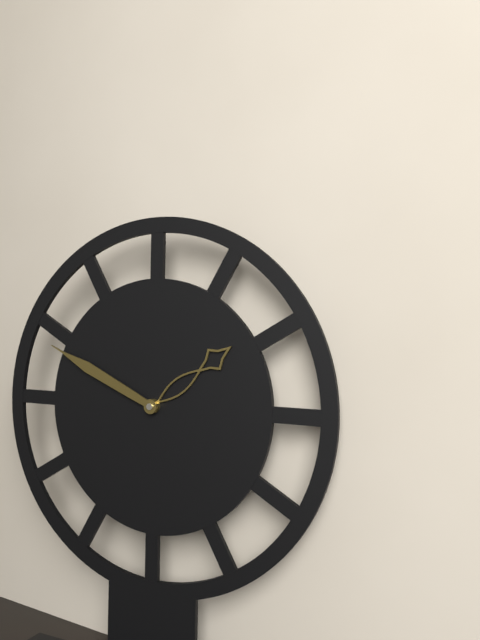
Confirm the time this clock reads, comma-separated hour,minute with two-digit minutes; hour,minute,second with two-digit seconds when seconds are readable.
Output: 1,49
